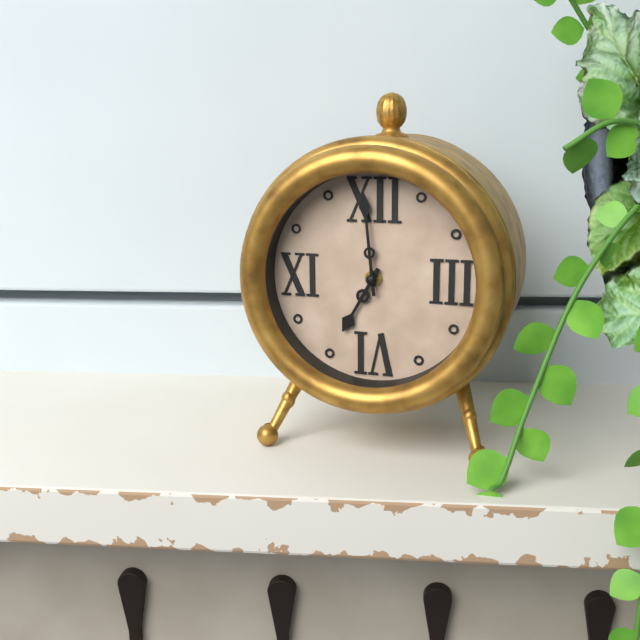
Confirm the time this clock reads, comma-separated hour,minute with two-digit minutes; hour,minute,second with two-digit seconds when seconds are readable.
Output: 6,59
